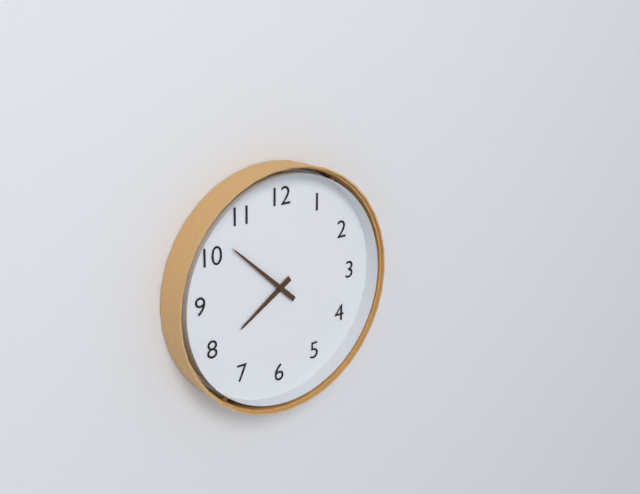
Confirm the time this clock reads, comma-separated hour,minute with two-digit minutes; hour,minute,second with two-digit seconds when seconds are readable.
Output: 7,52
